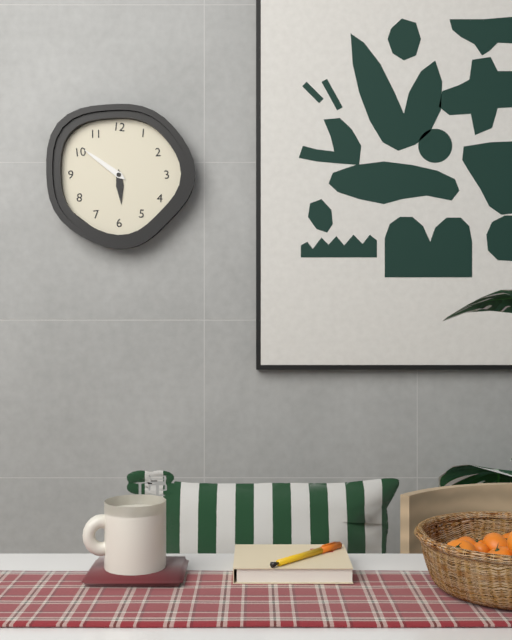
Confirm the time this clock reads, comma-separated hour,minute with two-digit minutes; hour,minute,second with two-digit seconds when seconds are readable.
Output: 5,51
